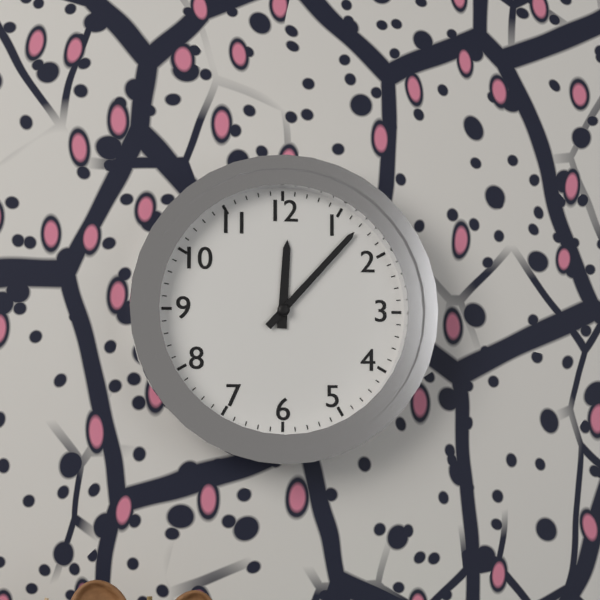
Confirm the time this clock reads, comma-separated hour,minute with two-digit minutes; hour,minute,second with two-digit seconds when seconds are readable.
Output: 12,07
